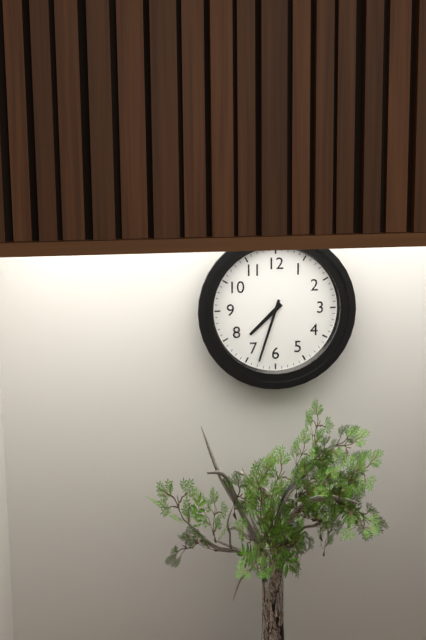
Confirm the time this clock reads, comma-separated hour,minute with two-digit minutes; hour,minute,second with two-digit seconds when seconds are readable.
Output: 7,33
